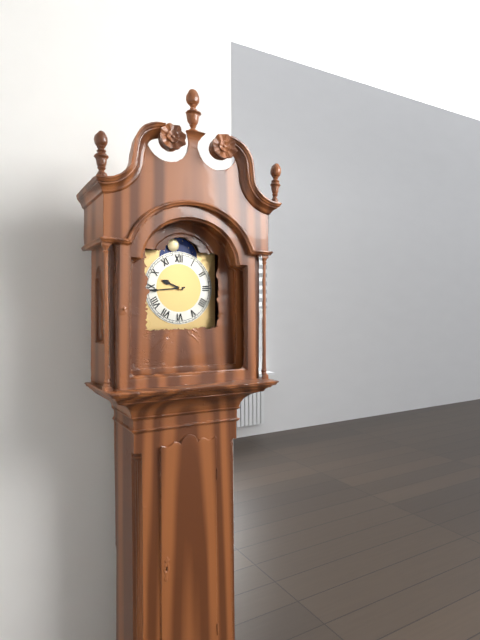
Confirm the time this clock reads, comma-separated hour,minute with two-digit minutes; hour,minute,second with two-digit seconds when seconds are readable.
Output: 9,44
